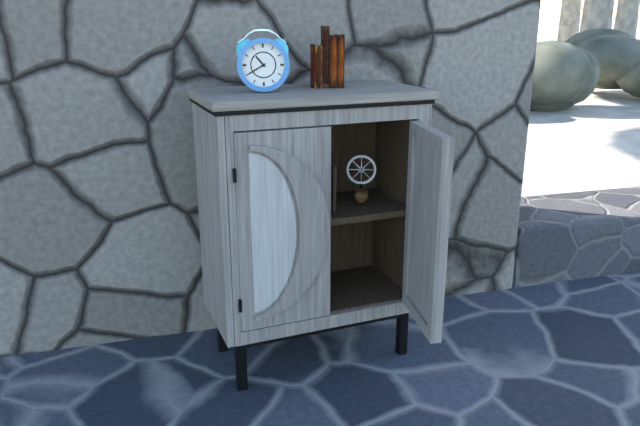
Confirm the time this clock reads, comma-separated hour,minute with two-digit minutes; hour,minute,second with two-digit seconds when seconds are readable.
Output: 10,40
